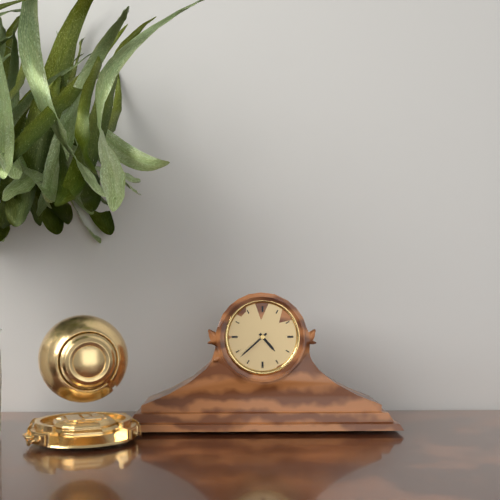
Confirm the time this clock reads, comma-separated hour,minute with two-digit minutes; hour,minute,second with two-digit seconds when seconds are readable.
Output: 4,38
